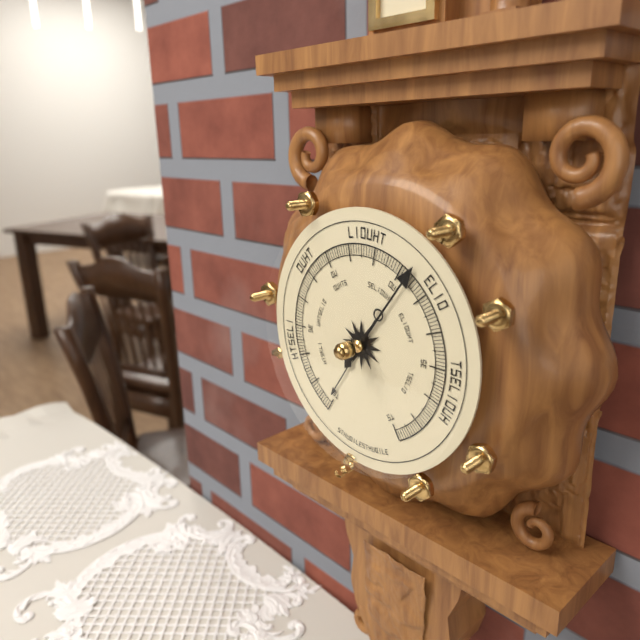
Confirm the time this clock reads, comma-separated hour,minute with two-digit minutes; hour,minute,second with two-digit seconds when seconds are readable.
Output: 7,06
